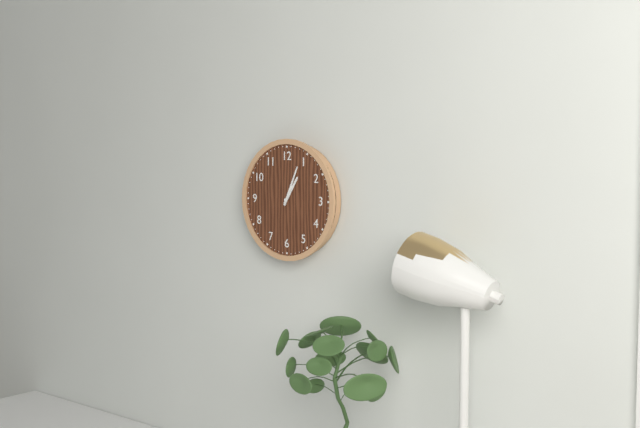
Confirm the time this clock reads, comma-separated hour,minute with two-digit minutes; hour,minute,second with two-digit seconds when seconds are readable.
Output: 1,04
